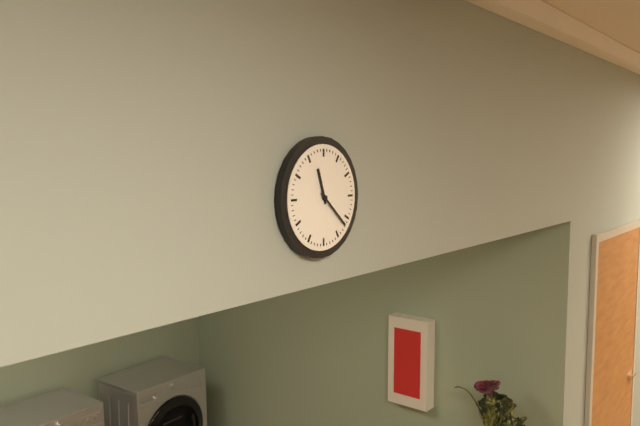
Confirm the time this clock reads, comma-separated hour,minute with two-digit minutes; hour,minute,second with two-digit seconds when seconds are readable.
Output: 11,22
